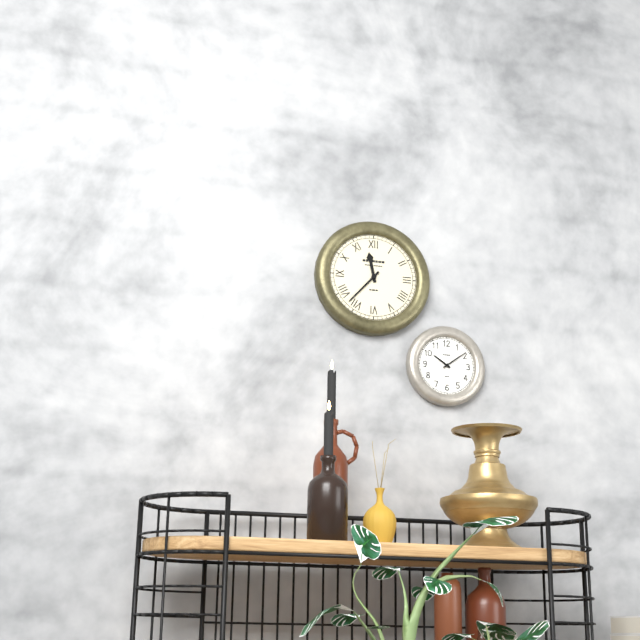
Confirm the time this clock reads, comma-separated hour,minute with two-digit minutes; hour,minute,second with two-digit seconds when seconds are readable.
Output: 11,37
